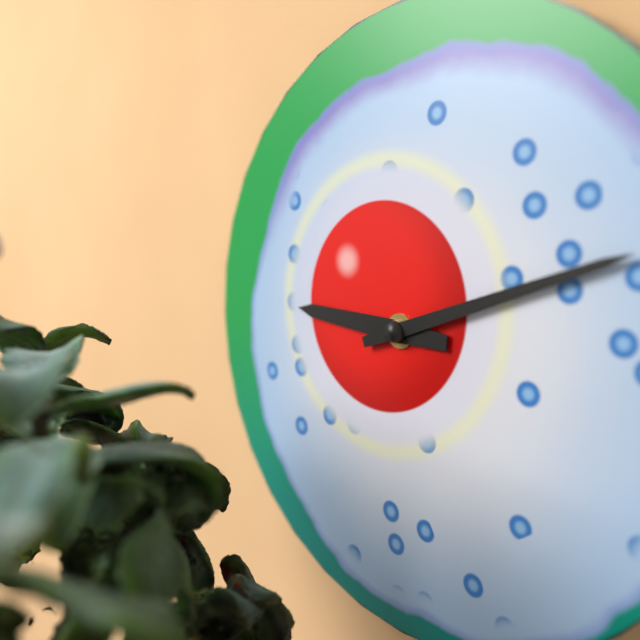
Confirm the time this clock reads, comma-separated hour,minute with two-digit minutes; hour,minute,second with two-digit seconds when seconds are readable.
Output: 9,12
